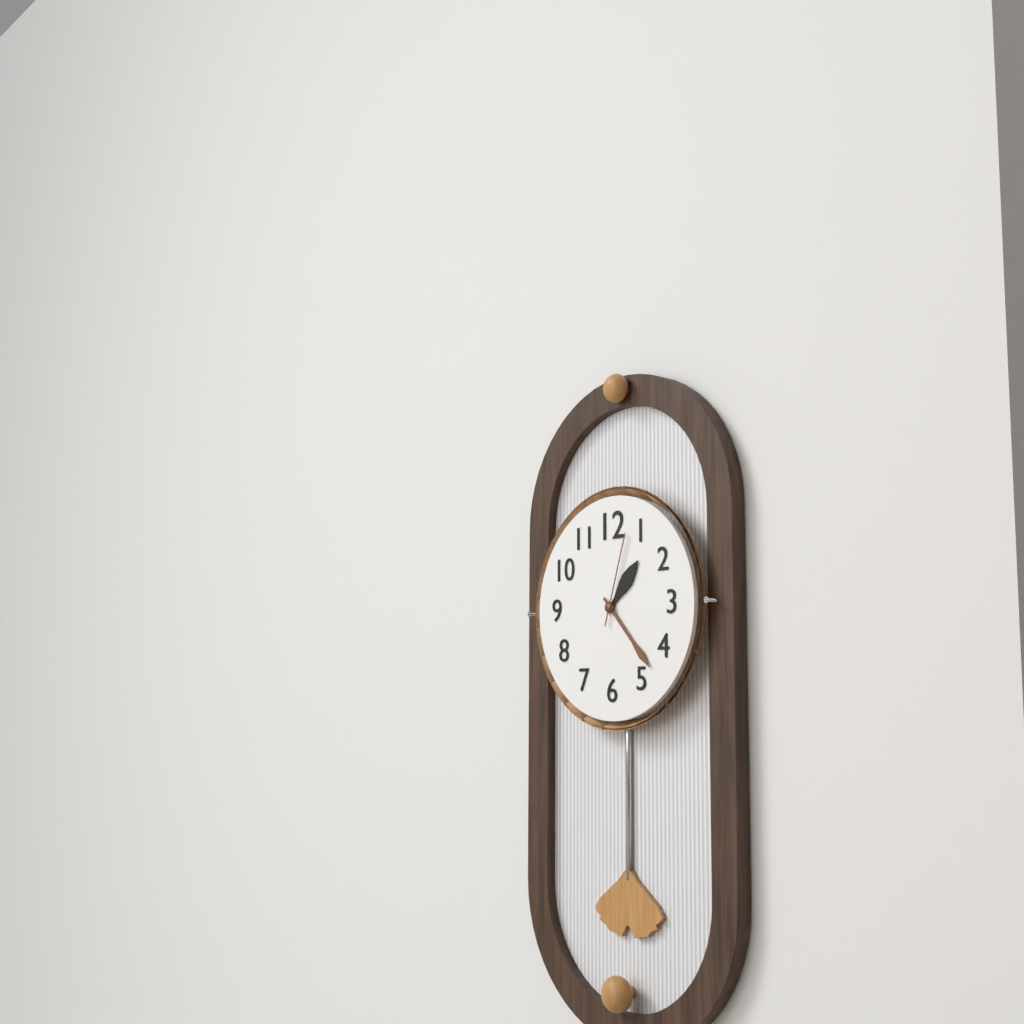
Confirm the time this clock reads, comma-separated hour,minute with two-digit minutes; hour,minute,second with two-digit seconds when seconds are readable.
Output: 1,23,03
